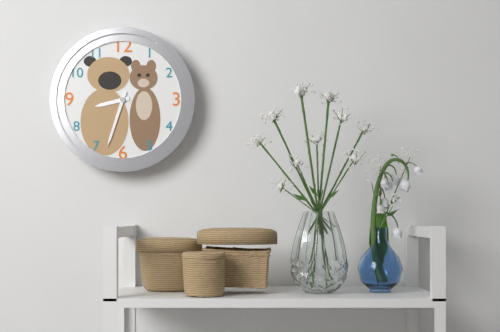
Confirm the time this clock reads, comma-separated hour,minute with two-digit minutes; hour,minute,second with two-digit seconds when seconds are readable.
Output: 8,33
